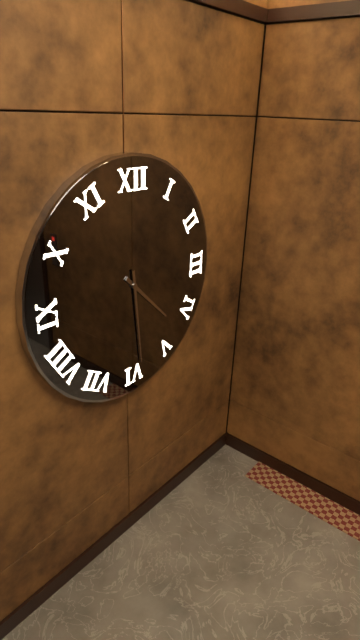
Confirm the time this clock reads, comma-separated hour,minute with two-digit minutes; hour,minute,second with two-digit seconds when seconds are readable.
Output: 4,29
